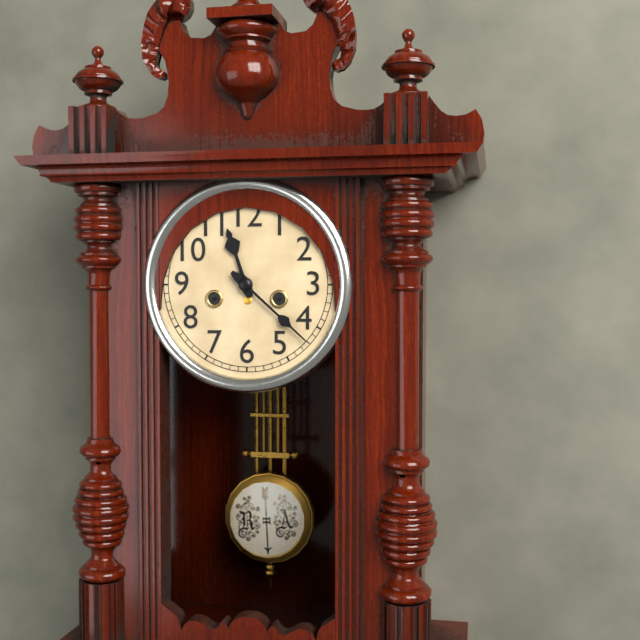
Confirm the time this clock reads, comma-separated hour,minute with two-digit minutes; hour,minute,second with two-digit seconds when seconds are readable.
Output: 11,22
